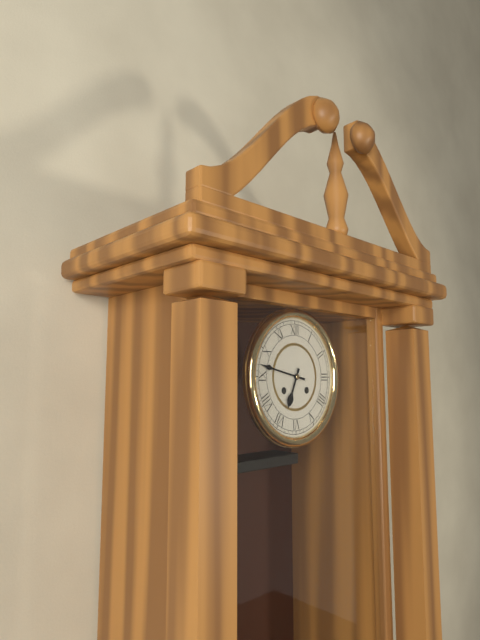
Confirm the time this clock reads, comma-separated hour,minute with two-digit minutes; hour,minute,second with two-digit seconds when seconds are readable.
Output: 6,47
